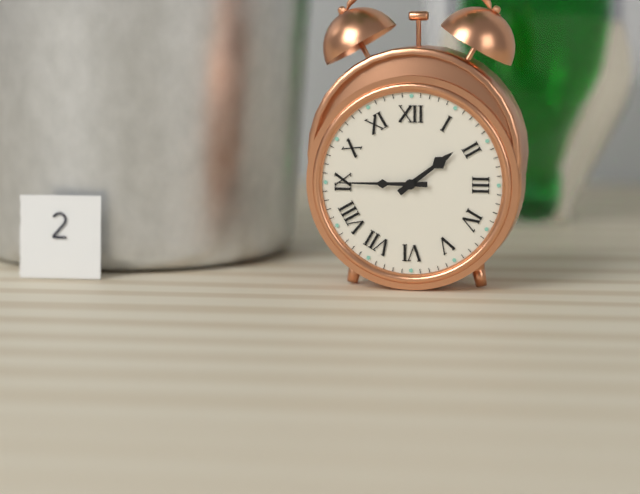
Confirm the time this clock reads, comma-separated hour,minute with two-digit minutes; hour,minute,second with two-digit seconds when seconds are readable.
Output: 1,45
